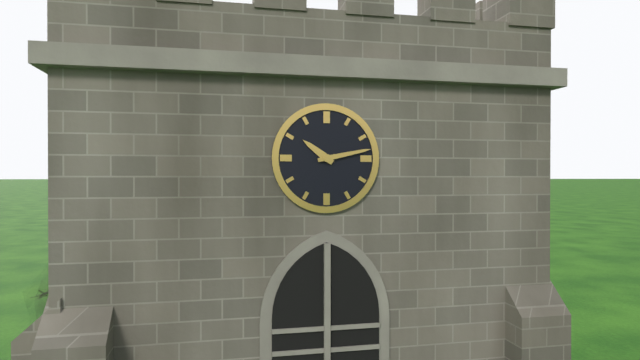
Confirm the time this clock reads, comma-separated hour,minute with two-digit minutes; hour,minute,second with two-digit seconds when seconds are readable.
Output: 10,13
